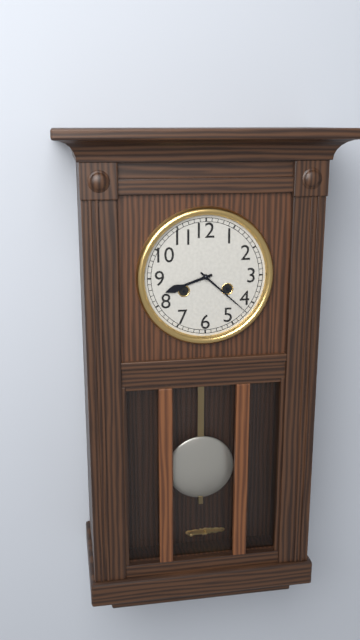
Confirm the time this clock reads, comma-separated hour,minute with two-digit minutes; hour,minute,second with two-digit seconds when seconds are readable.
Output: 8,22
